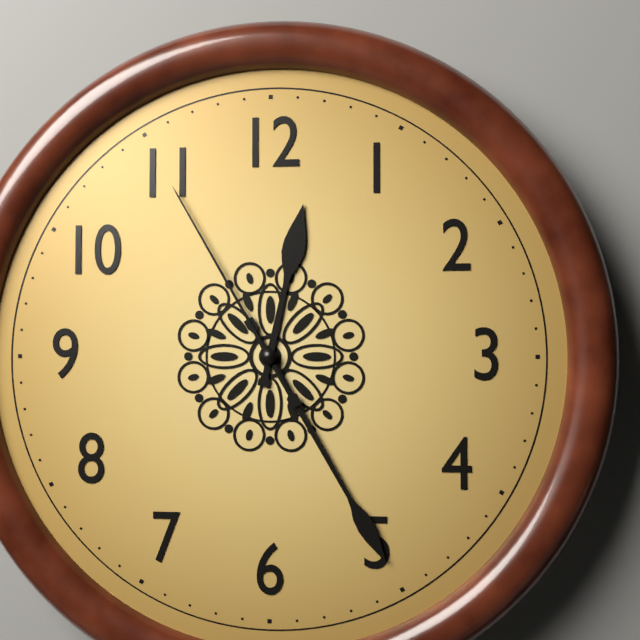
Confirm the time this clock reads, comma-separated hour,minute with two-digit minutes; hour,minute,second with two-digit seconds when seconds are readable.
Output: 12,25,55
